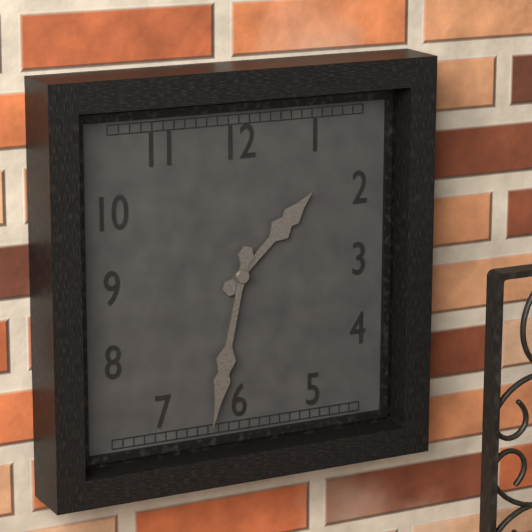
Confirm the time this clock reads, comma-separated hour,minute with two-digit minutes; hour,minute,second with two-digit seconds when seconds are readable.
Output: 1,32
